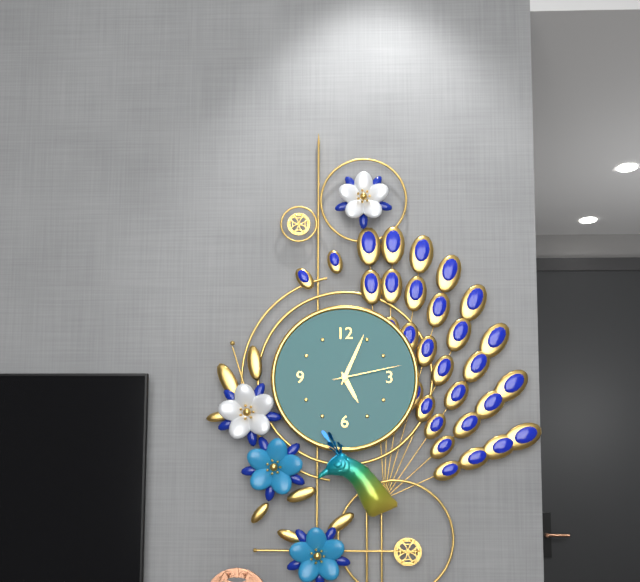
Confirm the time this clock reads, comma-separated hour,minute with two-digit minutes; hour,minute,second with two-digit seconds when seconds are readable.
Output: 5,04,13
